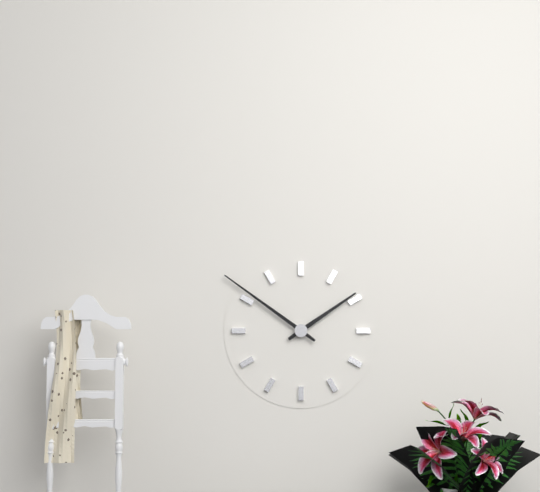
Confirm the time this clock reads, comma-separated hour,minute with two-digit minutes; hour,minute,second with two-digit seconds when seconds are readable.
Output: 1,51
